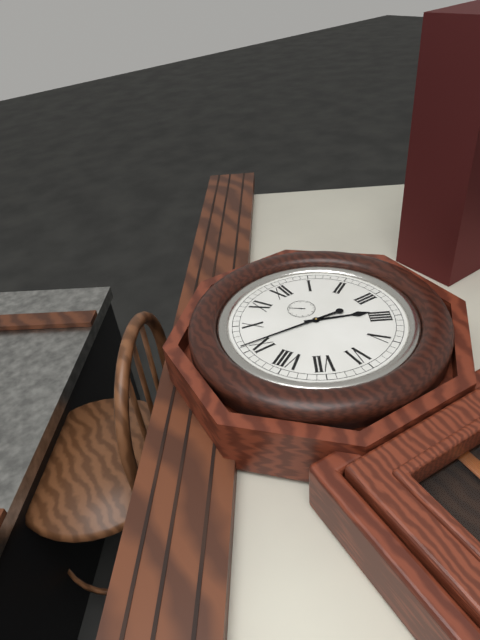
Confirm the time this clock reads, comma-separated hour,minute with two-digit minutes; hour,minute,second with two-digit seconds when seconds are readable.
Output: 3,46
